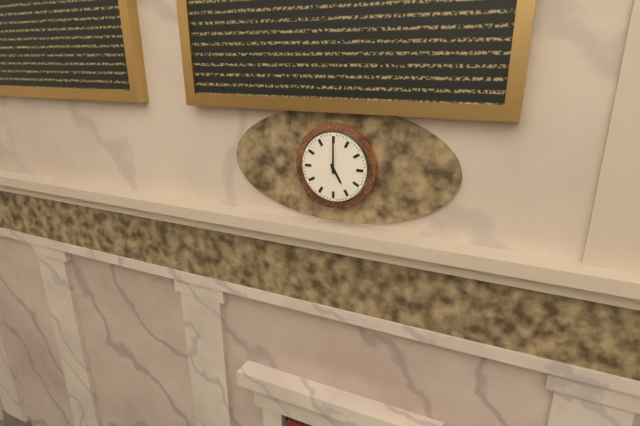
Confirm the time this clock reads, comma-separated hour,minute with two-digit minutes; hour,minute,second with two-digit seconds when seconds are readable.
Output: 5,00
